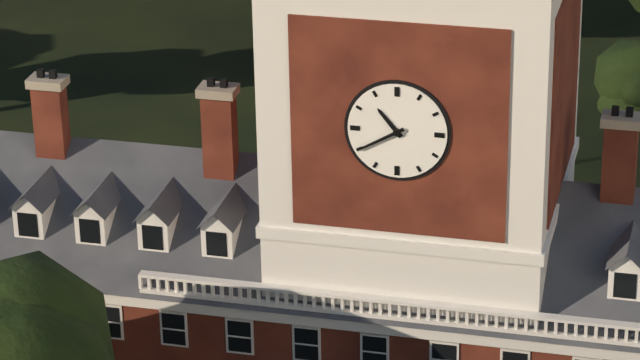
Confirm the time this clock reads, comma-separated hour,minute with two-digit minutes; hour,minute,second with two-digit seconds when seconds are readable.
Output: 10,40
